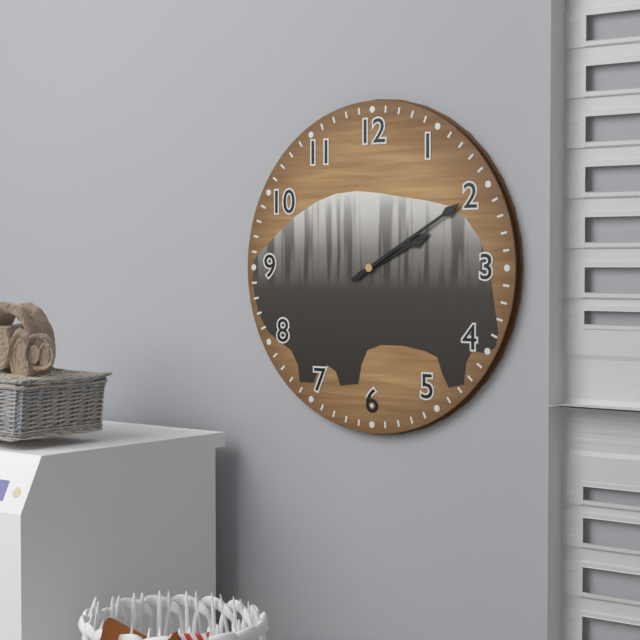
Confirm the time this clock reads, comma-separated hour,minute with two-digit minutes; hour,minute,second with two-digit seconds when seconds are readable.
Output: 2,10
